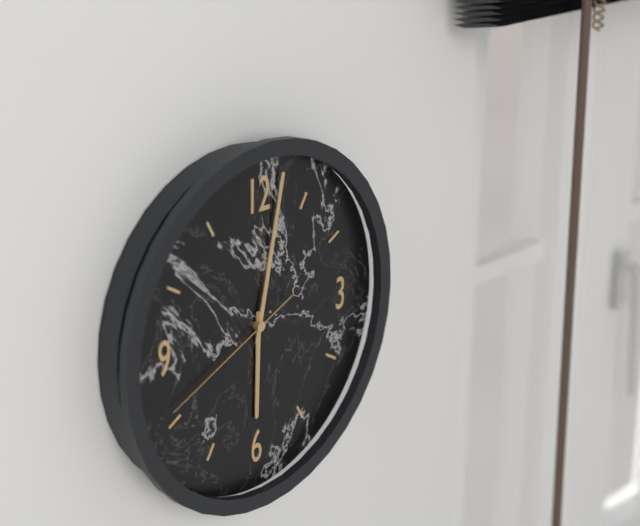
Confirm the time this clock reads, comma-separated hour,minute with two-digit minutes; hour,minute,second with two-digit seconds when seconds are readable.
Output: 6,02,41
